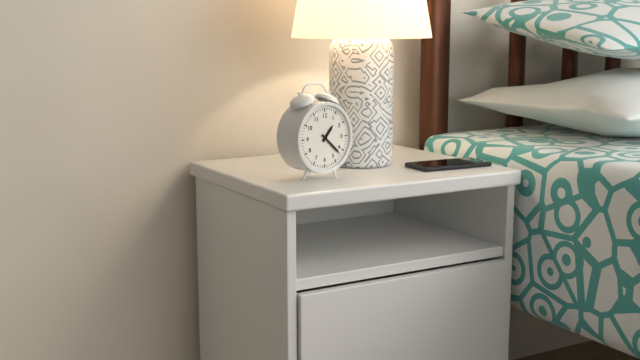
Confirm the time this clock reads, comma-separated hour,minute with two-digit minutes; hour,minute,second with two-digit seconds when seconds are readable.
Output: 1,22
